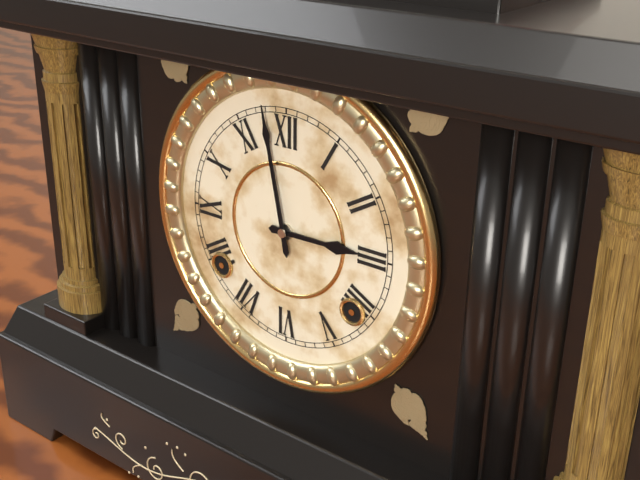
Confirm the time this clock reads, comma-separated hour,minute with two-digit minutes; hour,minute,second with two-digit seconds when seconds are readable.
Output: 2,58
